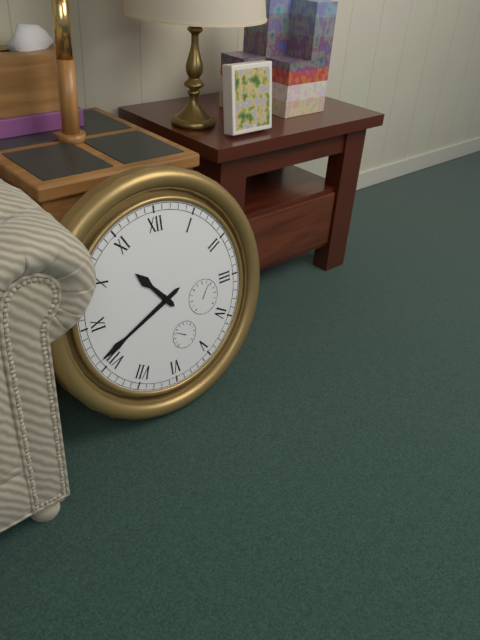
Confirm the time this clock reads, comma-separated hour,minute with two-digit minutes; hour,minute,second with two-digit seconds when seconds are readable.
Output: 10,41
